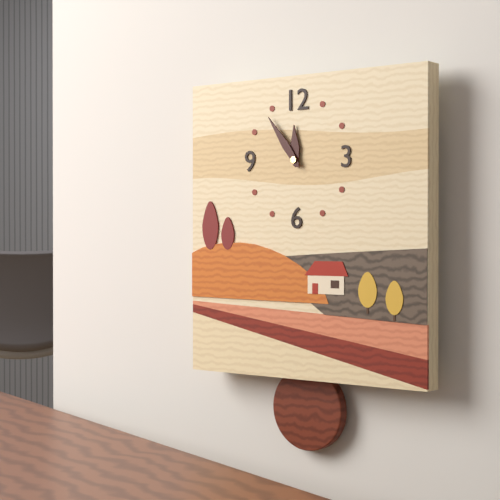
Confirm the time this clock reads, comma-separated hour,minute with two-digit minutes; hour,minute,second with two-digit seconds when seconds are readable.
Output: 11,54
